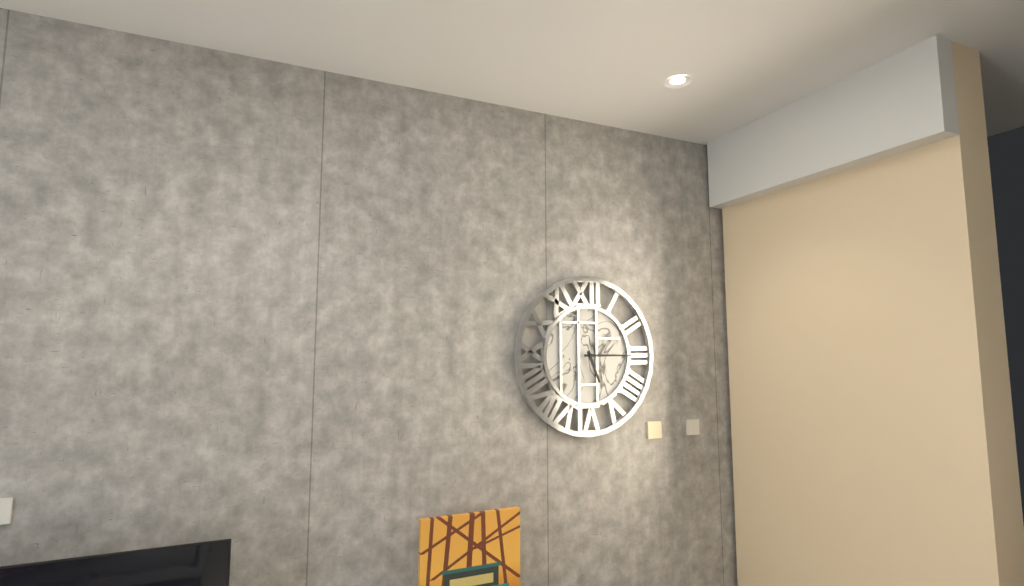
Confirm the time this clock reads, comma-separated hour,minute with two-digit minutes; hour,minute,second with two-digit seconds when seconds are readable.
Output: 5,15
